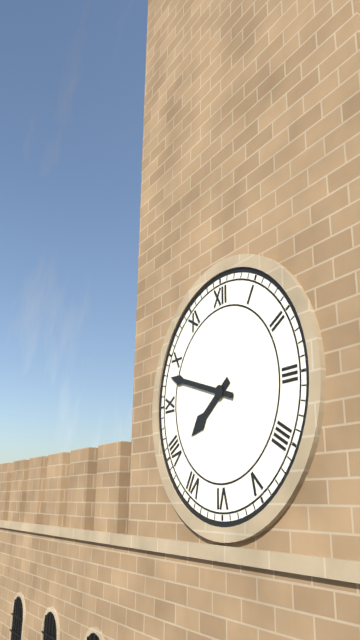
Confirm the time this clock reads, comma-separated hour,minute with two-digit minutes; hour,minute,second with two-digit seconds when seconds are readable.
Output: 7,48
